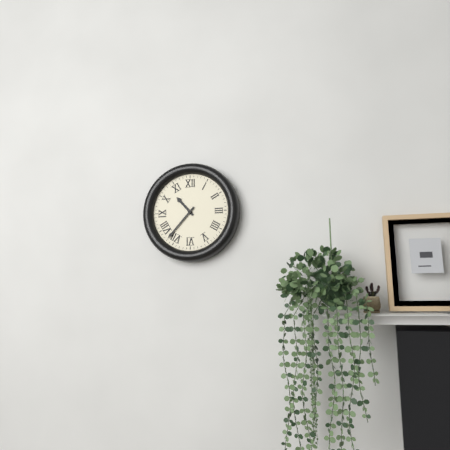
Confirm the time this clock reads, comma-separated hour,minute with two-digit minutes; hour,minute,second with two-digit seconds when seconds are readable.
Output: 10,37
